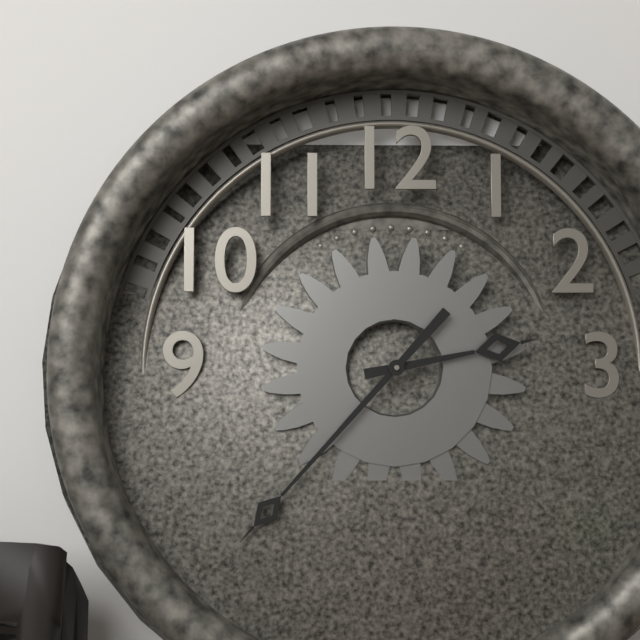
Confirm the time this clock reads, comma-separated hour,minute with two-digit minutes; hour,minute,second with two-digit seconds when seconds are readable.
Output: 2,37
